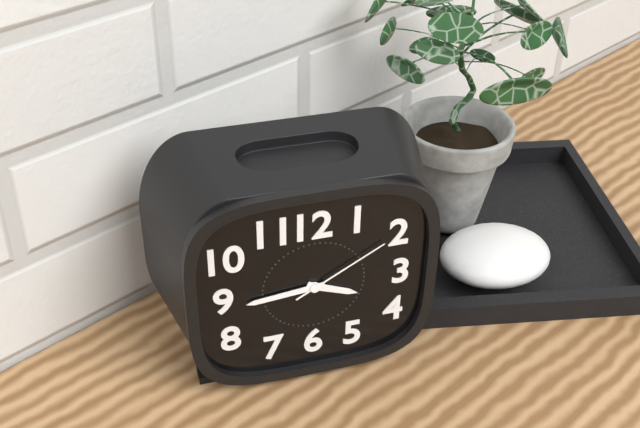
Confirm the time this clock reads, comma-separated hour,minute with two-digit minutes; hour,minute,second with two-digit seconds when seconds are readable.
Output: 3,44,10
